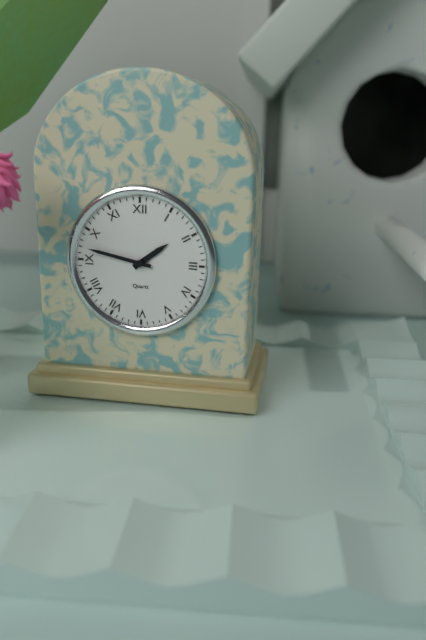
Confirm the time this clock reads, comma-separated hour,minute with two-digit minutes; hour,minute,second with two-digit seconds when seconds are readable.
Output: 1,47
